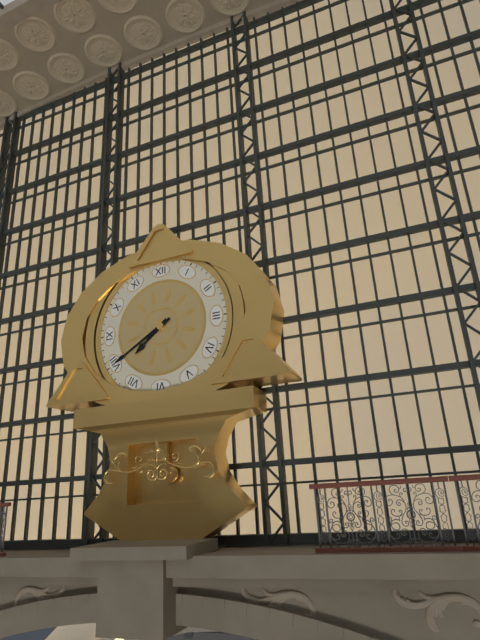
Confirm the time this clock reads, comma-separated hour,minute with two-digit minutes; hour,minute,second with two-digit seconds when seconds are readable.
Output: 7,40
